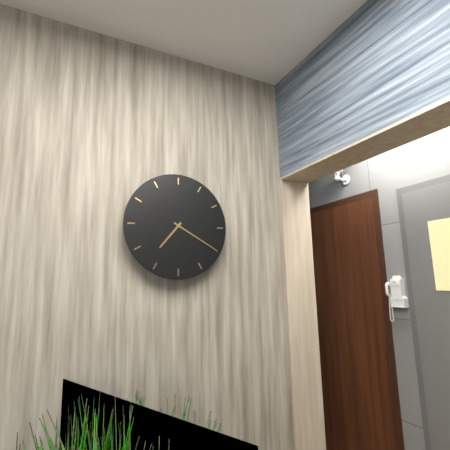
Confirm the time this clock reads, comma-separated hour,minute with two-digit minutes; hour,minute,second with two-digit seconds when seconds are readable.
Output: 7,20
